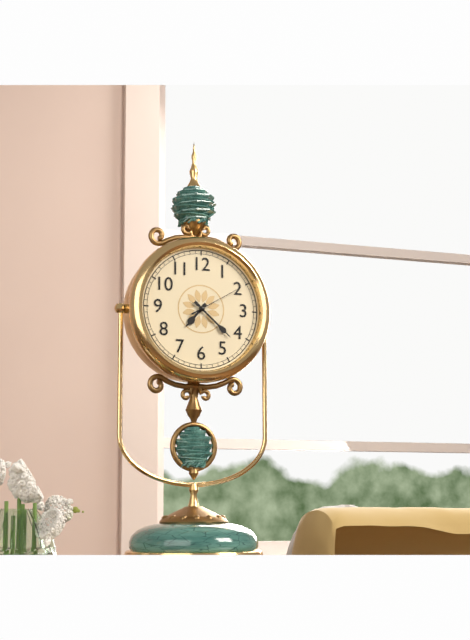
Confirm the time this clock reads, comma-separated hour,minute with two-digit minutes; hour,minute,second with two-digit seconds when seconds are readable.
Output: 7,22,10
